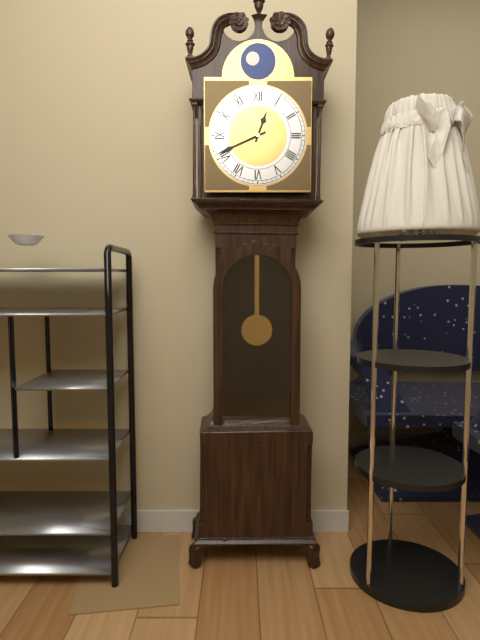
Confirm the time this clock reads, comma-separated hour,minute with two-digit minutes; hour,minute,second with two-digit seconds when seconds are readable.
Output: 12,41
